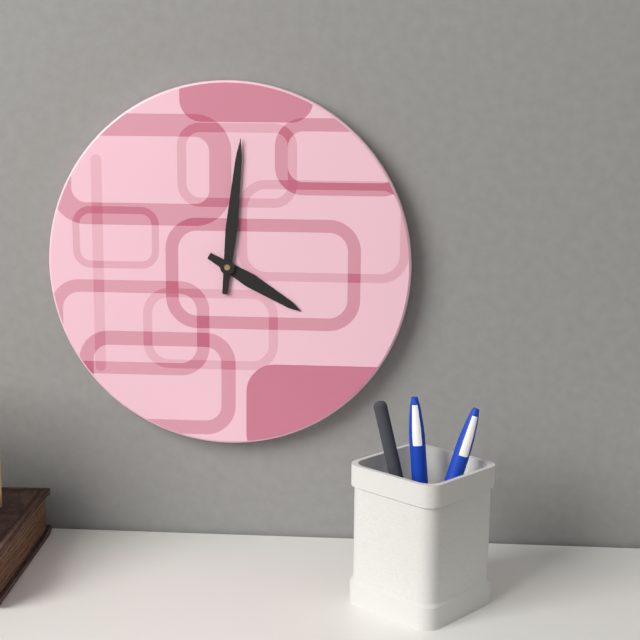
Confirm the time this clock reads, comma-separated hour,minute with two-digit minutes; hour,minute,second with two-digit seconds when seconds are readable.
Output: 4,01
